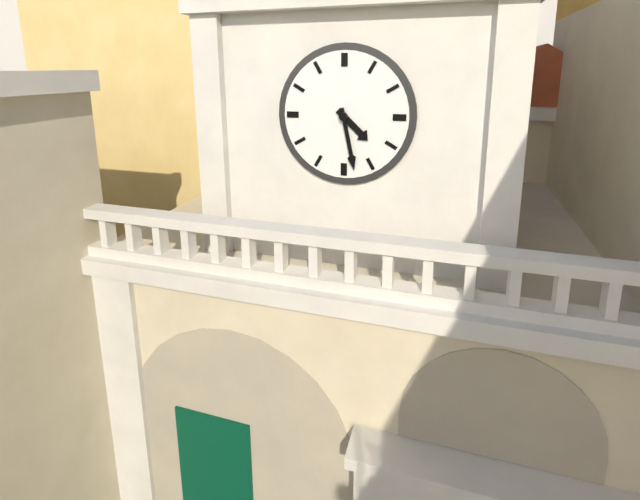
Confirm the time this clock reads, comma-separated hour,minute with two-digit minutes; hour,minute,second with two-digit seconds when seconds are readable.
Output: 4,28
